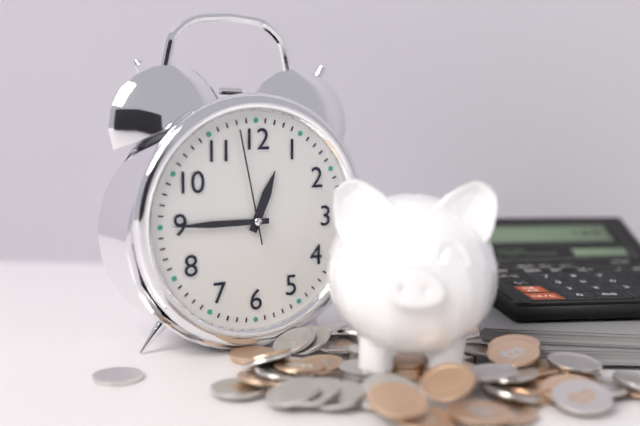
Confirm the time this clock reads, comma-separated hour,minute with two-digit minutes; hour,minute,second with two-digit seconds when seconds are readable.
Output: 12,45,58
